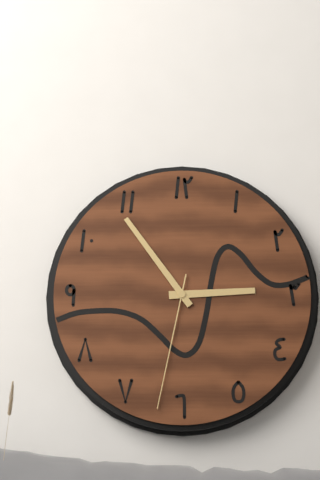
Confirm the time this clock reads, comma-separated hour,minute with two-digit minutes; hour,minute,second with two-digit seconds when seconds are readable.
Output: 2,54,32
